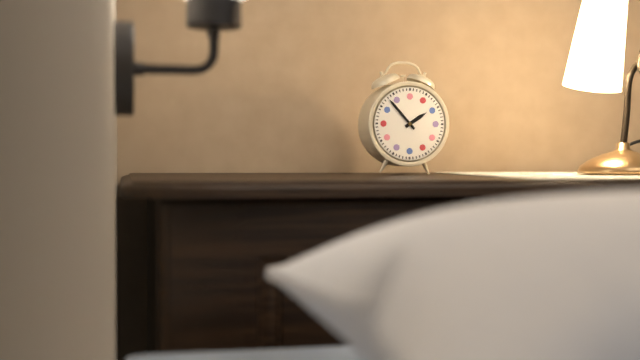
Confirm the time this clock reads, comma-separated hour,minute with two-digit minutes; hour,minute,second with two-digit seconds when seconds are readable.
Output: 1,53
